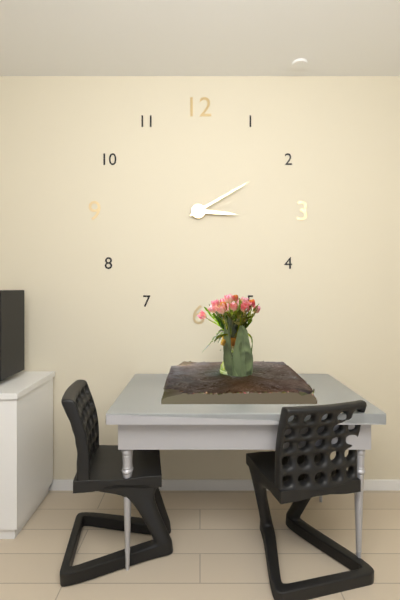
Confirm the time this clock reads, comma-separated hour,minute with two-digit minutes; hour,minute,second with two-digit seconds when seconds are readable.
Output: 3,10
